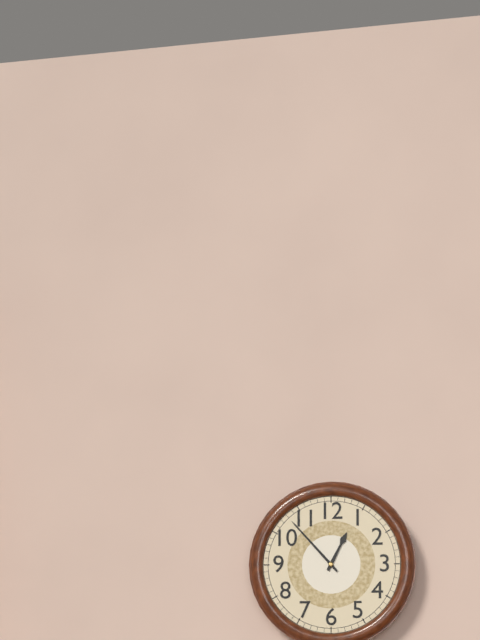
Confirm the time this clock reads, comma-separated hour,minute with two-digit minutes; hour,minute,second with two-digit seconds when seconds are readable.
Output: 12,53
